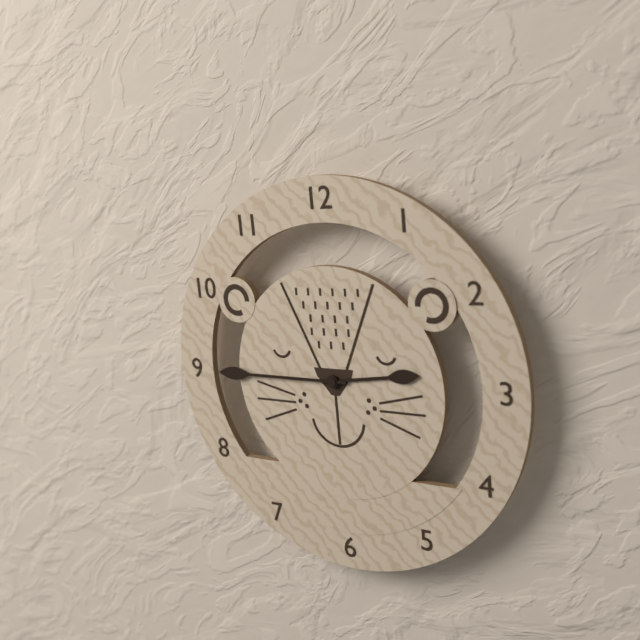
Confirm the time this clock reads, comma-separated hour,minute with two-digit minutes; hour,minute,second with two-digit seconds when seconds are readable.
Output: 2,45
